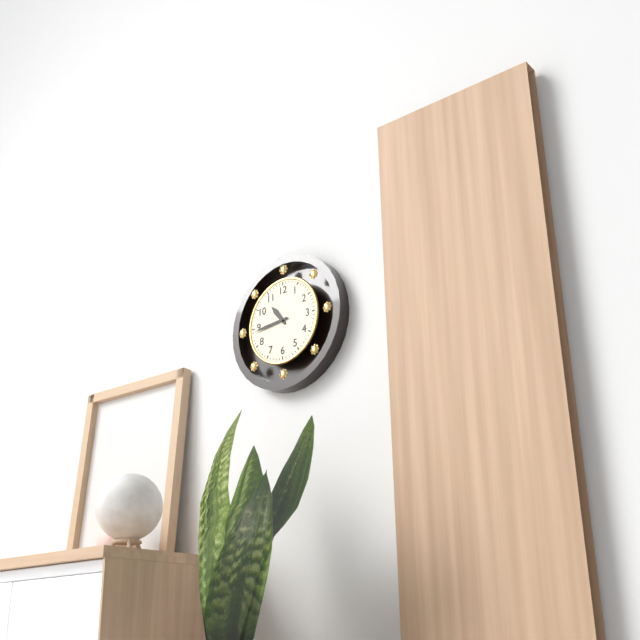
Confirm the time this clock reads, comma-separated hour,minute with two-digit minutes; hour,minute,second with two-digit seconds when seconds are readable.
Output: 10,44
